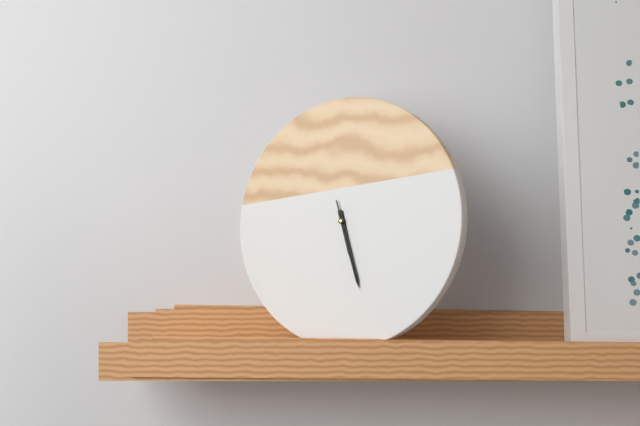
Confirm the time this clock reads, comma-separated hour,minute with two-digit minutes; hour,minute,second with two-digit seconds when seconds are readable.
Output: 5,27,27
